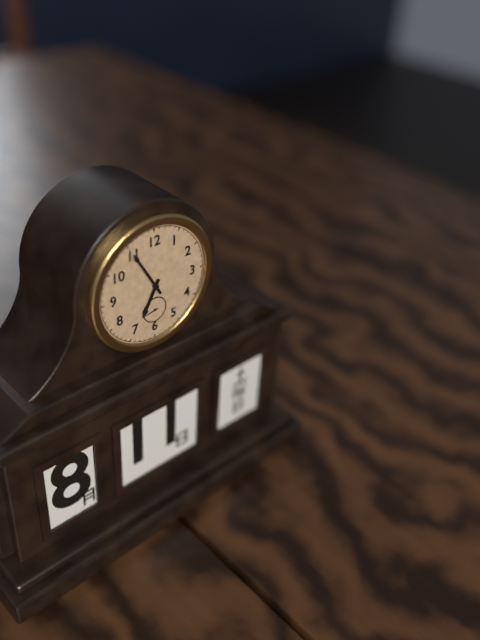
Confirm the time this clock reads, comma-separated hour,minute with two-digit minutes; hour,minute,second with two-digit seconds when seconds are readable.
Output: 6,55
